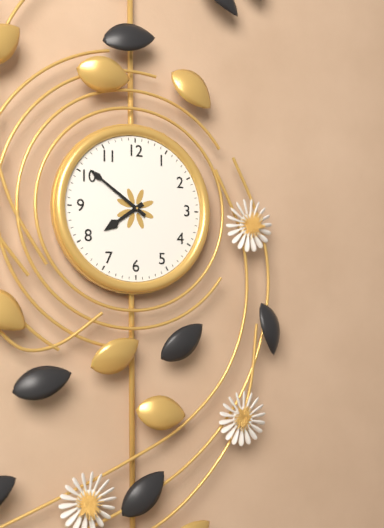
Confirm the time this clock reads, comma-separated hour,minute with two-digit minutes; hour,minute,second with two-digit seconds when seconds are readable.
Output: 7,51
